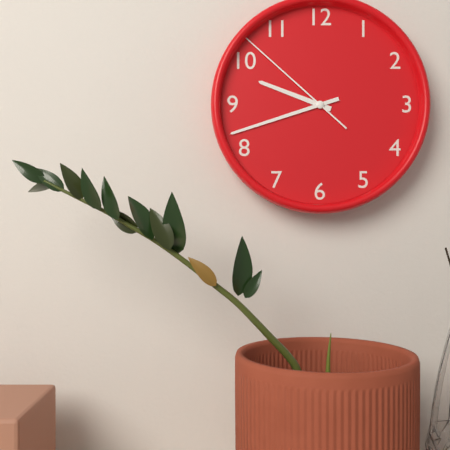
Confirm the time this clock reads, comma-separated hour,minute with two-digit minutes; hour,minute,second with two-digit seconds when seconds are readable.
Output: 9,42,52
